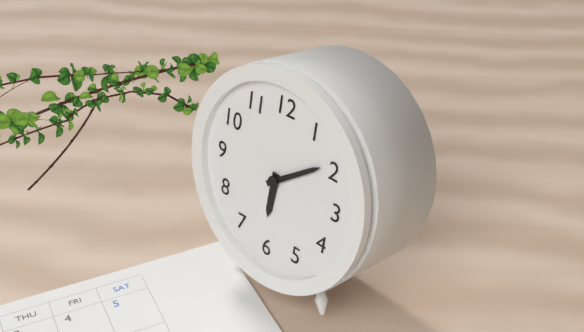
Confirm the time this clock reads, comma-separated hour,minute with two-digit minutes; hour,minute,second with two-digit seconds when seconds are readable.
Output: 6,09
